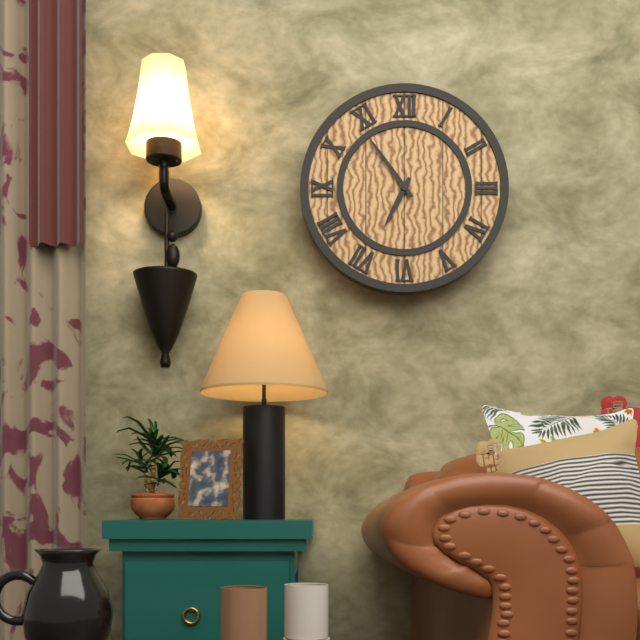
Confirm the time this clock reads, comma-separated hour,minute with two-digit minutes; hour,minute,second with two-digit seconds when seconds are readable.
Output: 6,54
